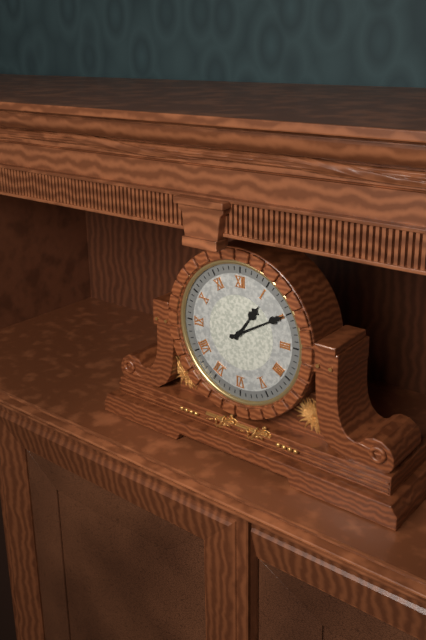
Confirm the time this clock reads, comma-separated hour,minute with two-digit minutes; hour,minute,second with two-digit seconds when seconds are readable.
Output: 1,10
